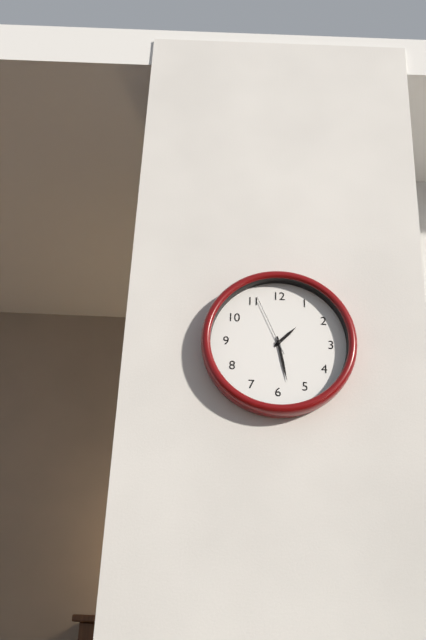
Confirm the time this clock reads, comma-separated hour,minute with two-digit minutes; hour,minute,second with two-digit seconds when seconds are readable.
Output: 1,28,56
